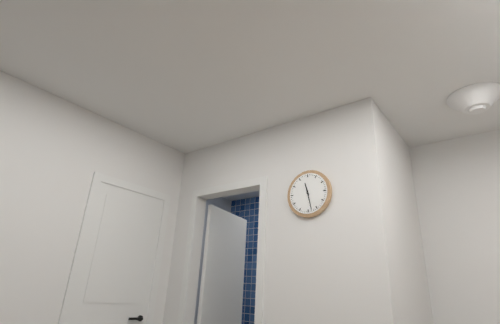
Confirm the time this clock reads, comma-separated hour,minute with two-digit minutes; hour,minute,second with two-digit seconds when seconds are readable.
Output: 11,28
